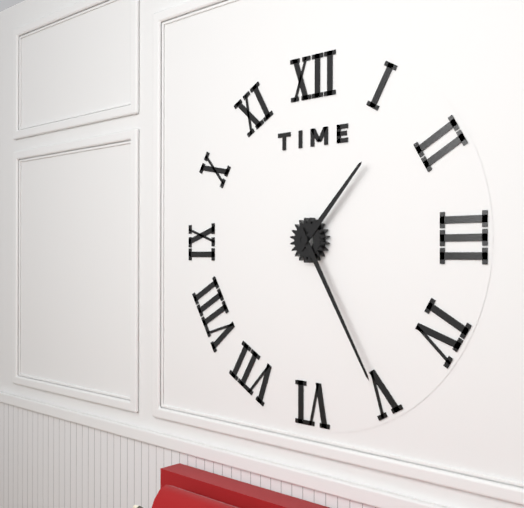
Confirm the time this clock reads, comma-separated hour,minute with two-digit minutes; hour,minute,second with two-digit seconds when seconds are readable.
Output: 1,25
